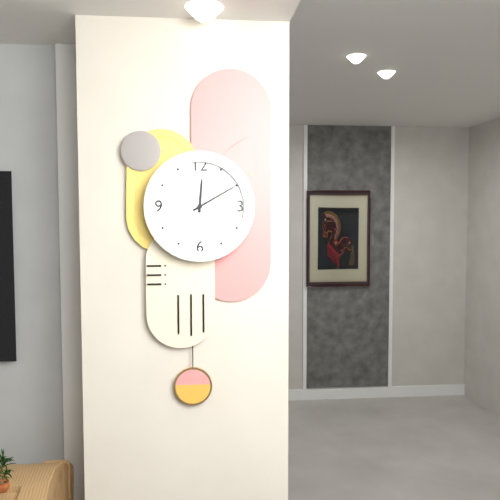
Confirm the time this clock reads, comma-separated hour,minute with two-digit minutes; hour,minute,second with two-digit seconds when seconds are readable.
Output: 12,10
